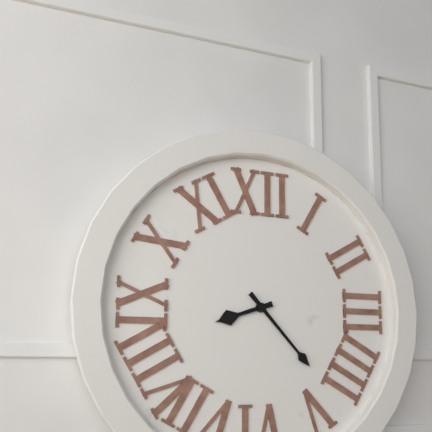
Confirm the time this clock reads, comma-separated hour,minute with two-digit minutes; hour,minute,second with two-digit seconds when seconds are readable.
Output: 8,23
